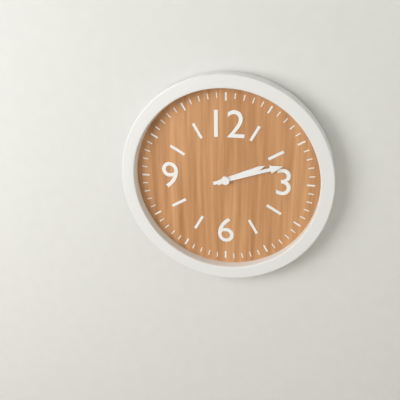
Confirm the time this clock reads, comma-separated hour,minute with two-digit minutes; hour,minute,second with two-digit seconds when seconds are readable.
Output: 2,12
